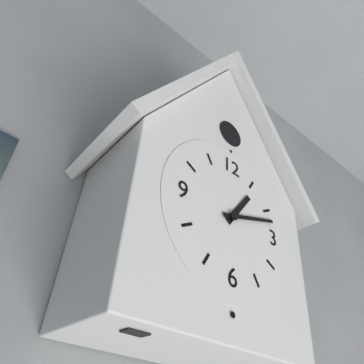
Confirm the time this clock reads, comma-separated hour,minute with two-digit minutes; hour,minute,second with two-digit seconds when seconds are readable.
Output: 1,12
